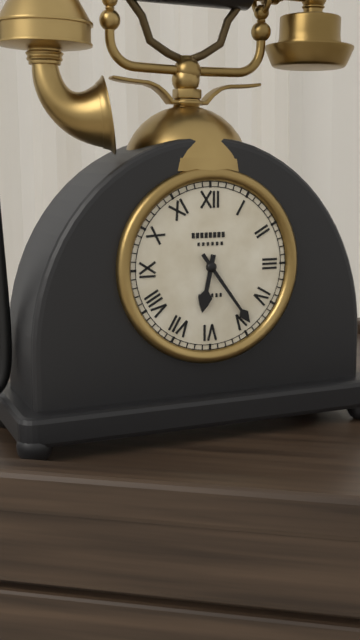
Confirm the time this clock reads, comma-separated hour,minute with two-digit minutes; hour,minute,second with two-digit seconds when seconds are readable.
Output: 6,24
